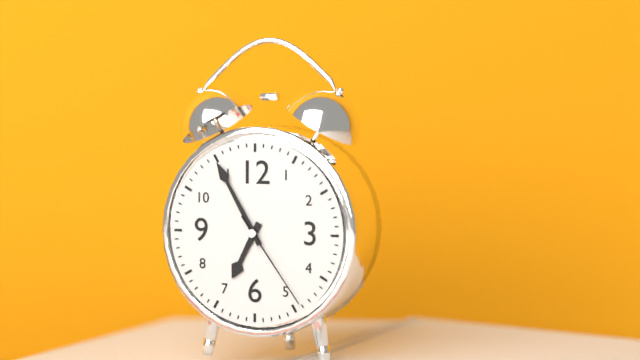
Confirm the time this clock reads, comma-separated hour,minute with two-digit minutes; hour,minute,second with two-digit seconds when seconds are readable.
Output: 6,55,24
